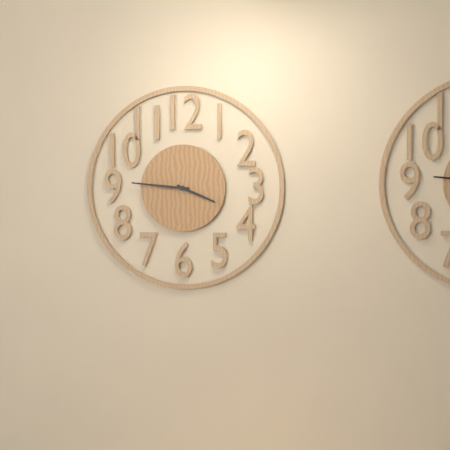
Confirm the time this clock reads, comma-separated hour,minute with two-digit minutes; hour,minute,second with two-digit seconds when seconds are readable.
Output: 3,46
